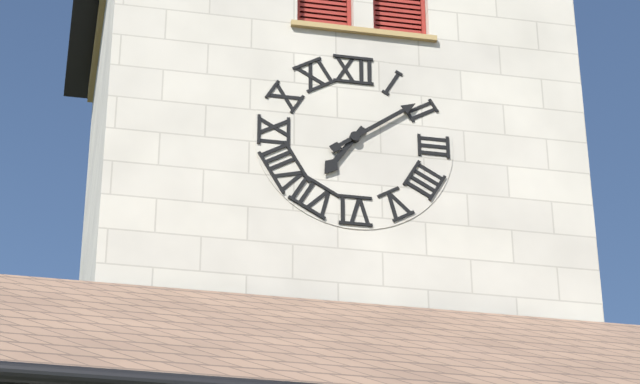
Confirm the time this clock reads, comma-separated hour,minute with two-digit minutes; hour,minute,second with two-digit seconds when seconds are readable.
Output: 7,09
